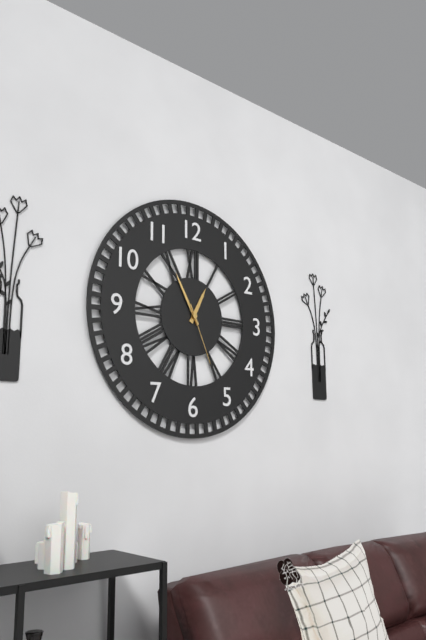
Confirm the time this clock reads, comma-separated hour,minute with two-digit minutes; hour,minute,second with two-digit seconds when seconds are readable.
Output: 12,55,26
